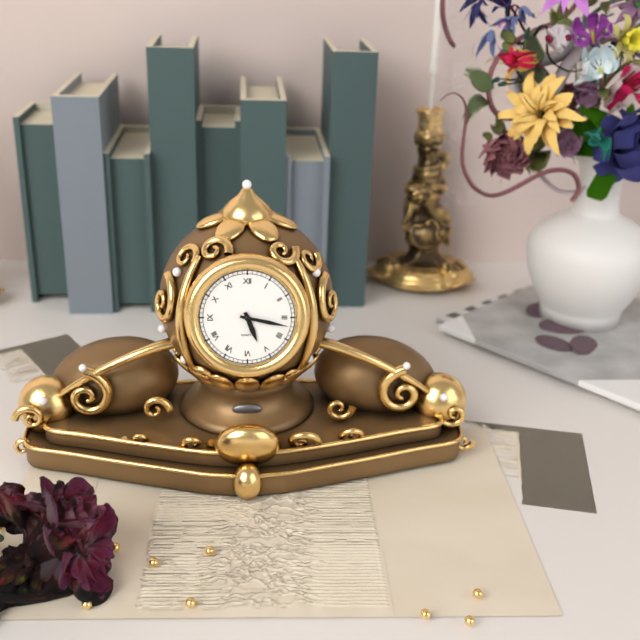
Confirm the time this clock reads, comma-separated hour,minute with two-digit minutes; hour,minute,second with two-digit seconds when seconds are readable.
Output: 5,17
